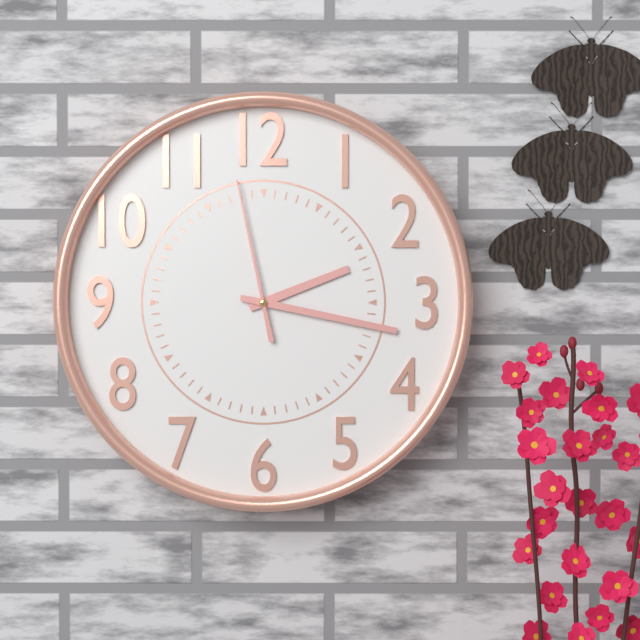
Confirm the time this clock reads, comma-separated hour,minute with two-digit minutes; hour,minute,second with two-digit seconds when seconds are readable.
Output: 2,17,58
